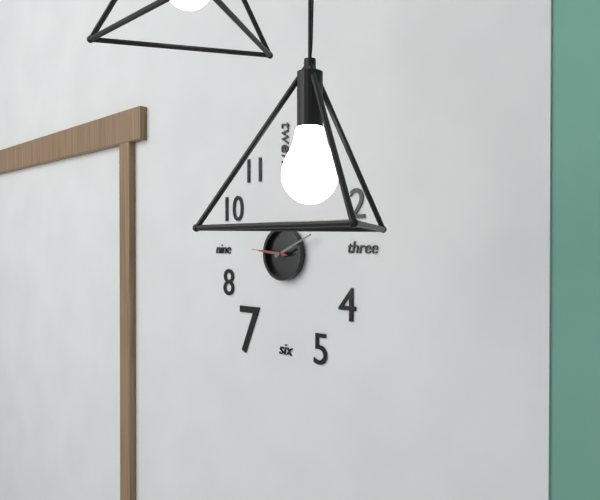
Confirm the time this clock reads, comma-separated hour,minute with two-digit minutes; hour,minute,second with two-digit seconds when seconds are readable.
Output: 9,11
